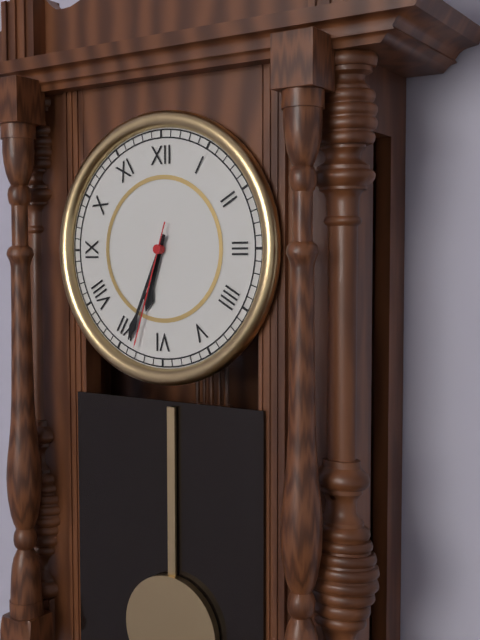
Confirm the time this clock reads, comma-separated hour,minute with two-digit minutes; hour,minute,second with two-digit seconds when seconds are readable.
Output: 6,34,33
